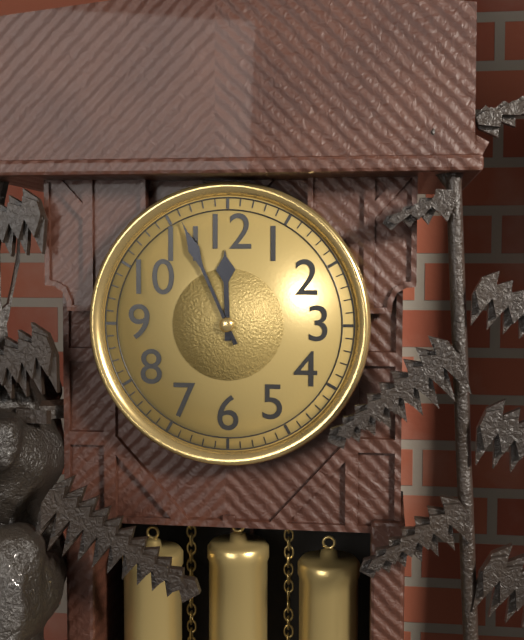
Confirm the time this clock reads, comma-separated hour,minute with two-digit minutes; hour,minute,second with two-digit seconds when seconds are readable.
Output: 11,56
